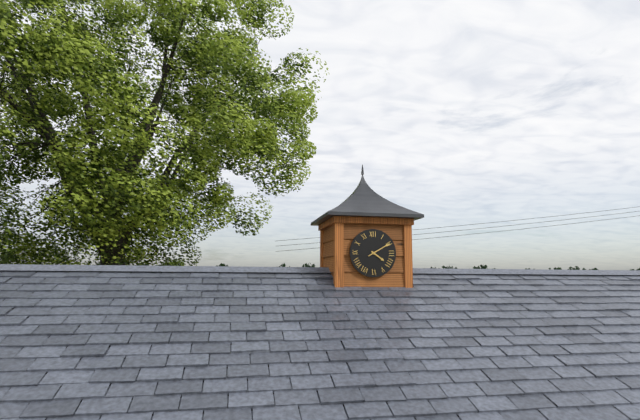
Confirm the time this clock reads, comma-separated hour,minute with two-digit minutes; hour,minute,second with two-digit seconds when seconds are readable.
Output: 4,10
